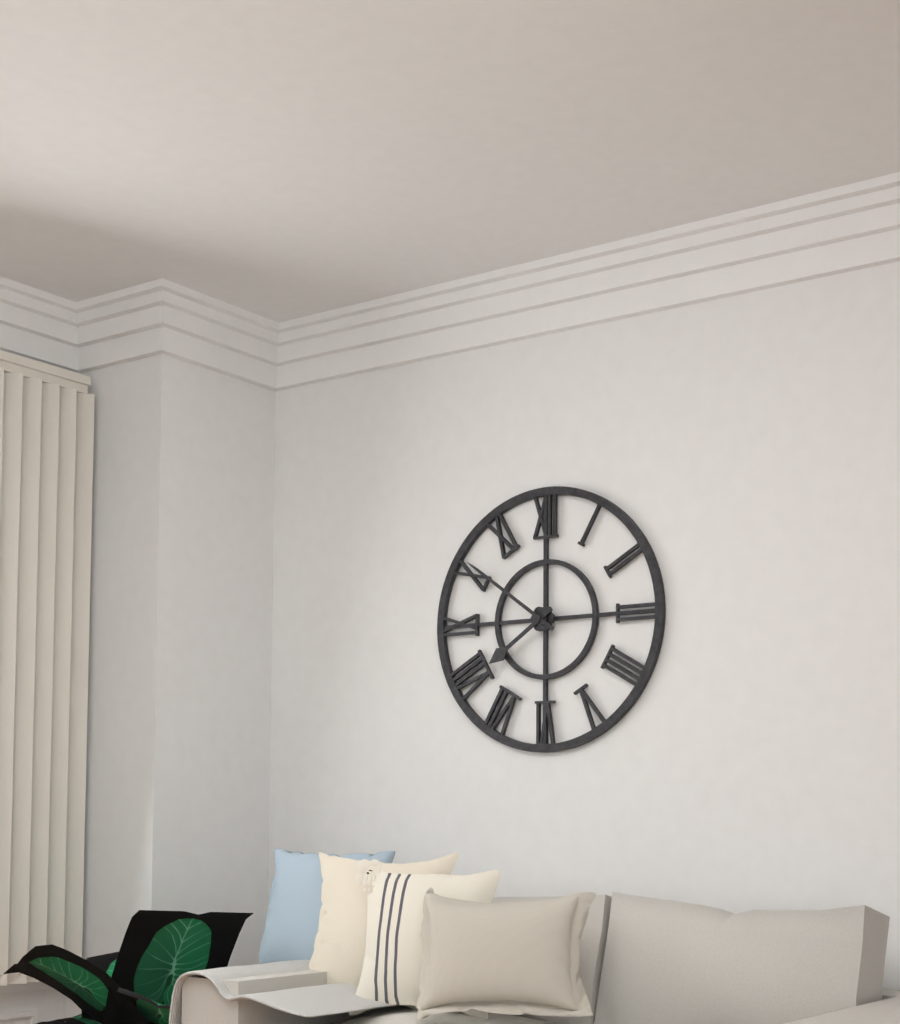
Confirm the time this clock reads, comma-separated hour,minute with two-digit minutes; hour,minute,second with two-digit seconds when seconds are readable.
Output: 7,51
